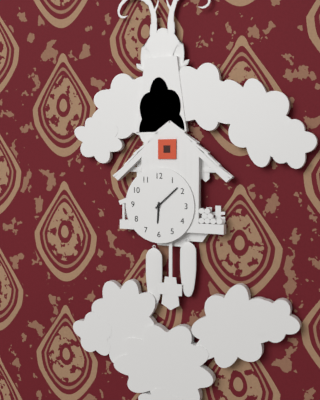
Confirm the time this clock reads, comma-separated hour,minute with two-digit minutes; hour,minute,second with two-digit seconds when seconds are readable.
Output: 6,08
